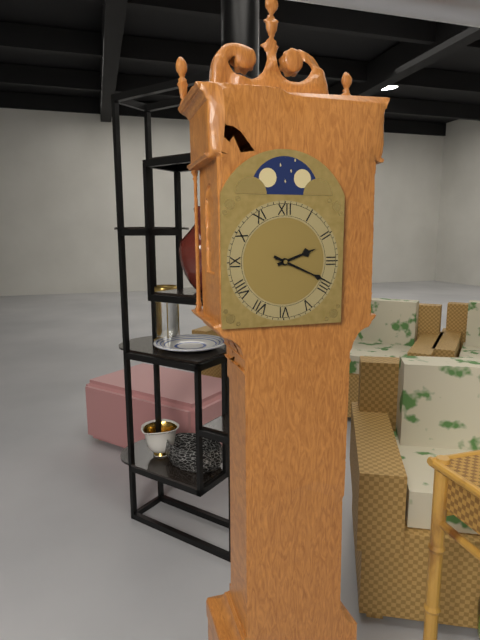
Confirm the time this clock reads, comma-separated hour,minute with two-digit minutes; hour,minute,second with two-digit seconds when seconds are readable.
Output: 2,19
